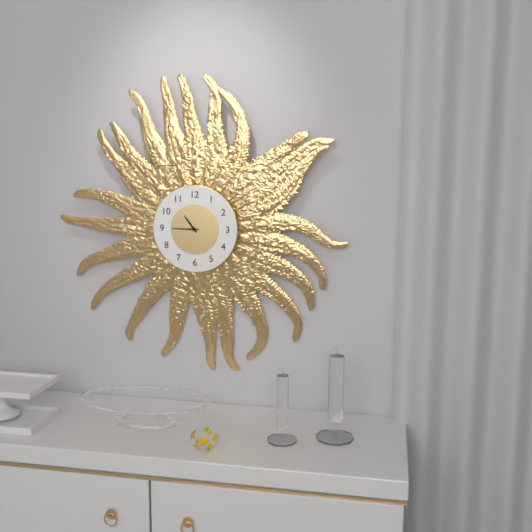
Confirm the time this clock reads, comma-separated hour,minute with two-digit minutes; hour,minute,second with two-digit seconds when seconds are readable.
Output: 10,45
